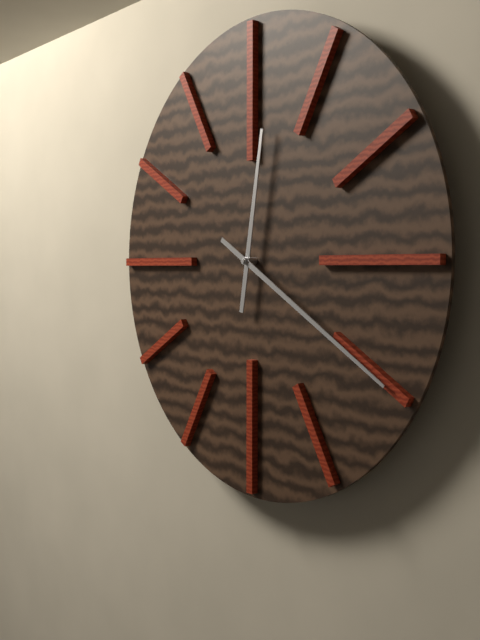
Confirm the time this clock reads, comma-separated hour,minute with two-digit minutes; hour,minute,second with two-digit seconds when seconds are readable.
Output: 12,20
